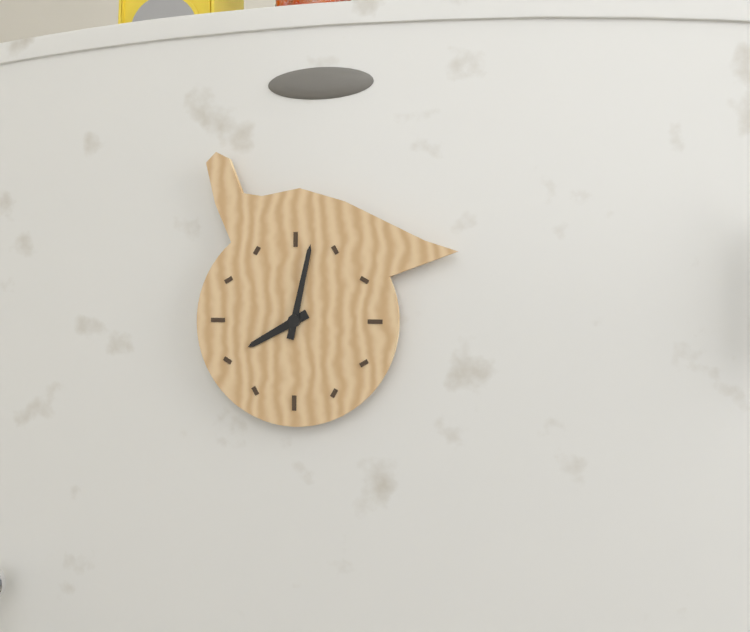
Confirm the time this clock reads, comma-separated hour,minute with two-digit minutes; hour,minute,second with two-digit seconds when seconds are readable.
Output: 8,02
